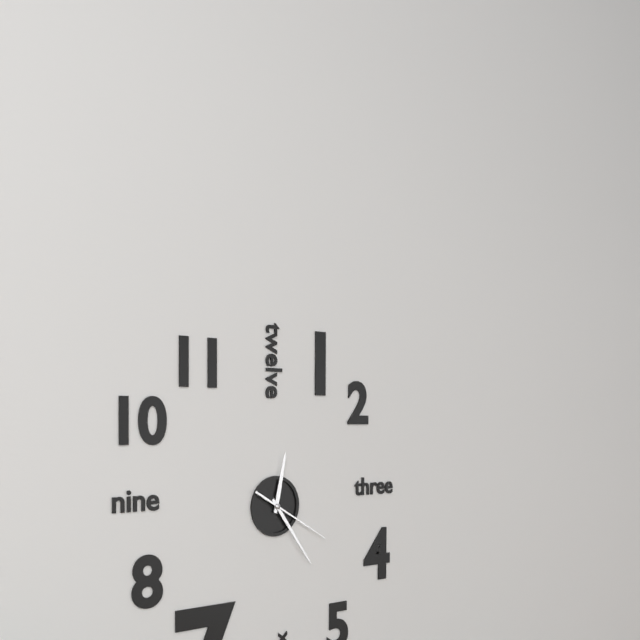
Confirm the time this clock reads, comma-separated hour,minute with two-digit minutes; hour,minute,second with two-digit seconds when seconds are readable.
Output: 12,24,20
